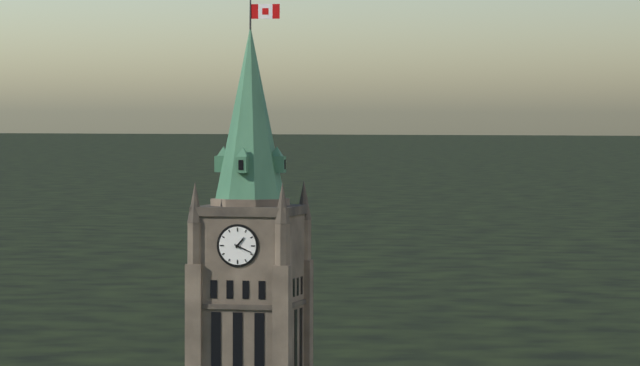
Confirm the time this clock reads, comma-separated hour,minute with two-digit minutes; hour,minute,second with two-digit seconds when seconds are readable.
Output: 1,19
